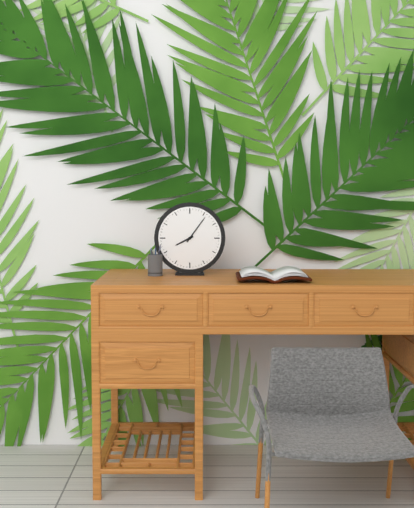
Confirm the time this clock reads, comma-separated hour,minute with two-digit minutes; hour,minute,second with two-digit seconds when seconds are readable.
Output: 8,06
